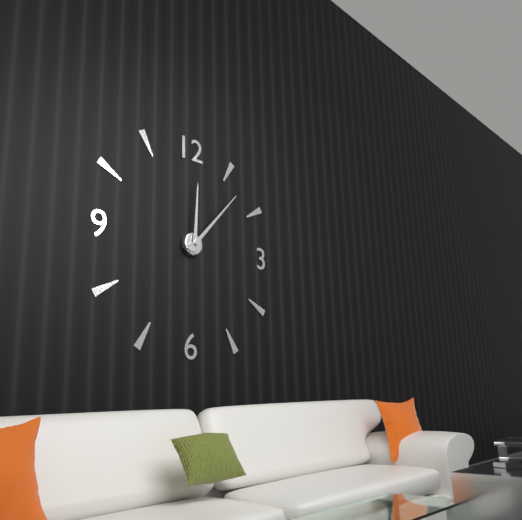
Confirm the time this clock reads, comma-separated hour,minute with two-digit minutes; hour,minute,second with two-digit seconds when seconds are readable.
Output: 12,07
